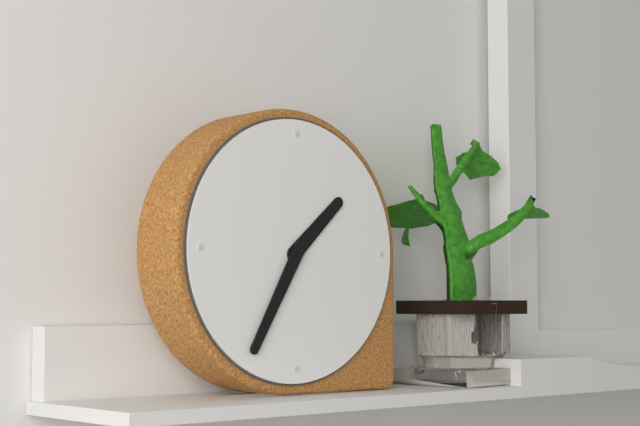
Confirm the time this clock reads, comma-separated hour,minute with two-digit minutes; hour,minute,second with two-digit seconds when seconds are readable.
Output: 1,35
